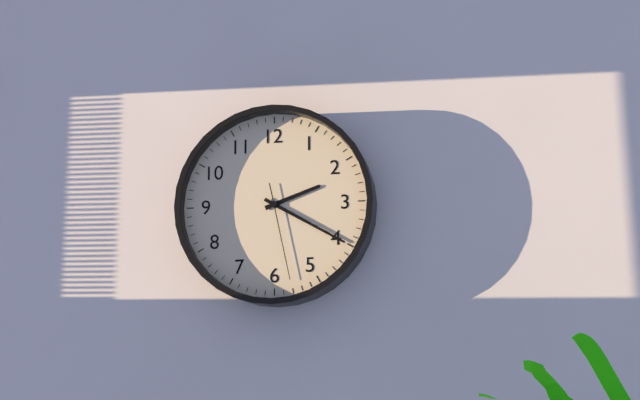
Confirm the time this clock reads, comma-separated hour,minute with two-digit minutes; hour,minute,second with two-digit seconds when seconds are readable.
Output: 2,20,28
